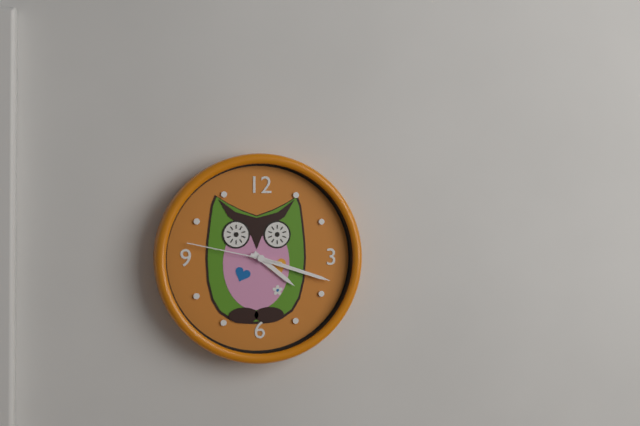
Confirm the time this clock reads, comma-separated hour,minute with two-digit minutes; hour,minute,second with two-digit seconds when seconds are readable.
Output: 4,18,47
